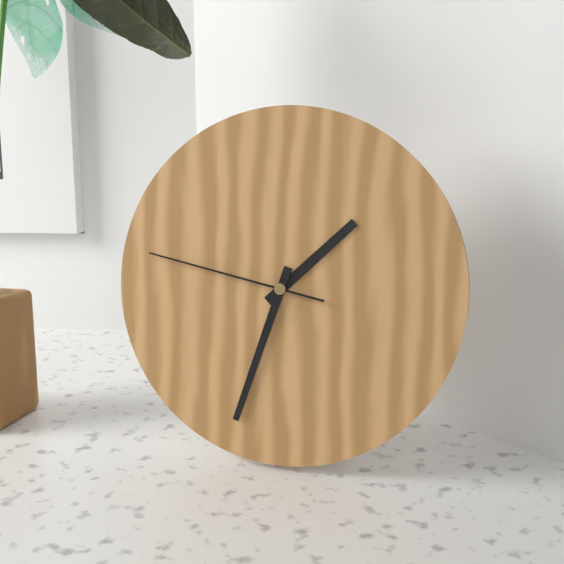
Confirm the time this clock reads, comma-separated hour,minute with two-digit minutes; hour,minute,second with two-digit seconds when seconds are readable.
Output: 1,33,47
